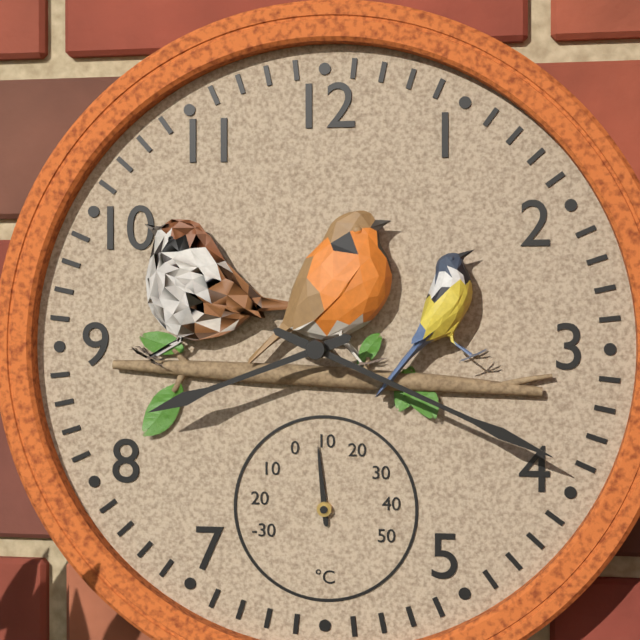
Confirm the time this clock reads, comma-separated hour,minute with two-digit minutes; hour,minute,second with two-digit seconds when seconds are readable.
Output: 8,19
